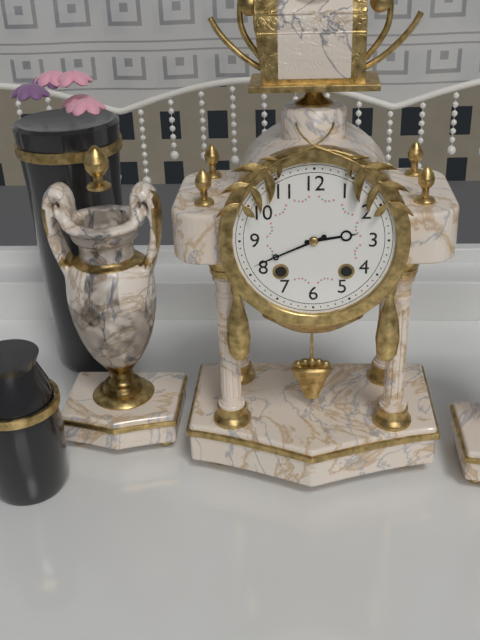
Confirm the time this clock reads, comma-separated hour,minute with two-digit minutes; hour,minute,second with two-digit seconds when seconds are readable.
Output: 2,41
